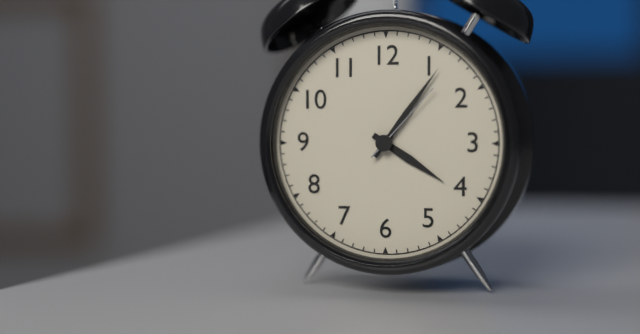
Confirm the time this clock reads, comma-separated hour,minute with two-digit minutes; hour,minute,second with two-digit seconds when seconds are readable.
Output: 4,06,07
